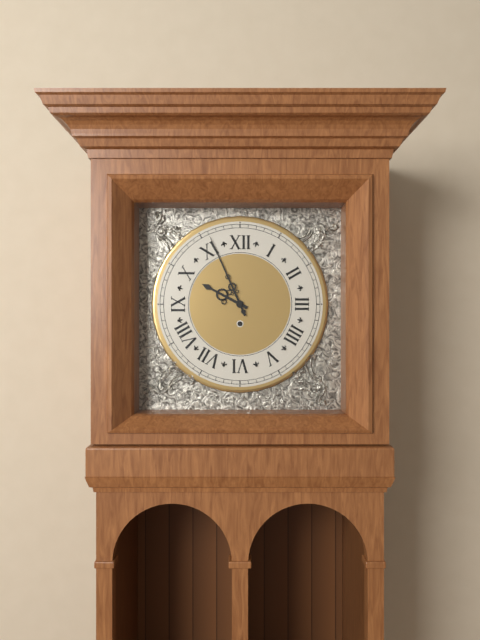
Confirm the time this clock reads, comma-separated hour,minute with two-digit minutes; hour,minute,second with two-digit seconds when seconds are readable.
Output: 9,56
